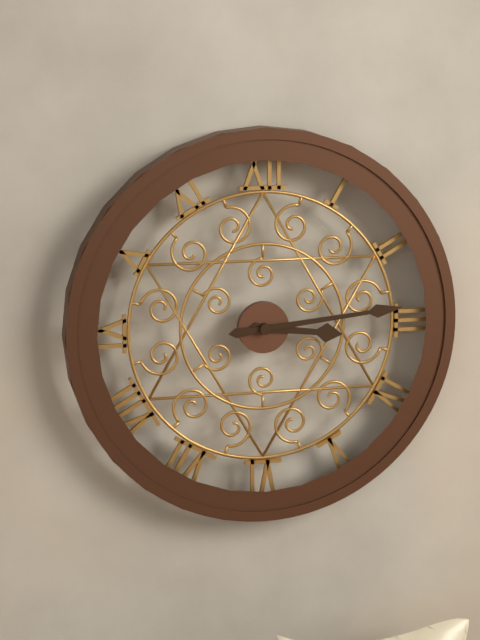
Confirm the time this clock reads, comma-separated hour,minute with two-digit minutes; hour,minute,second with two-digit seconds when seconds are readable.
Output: 3,14
